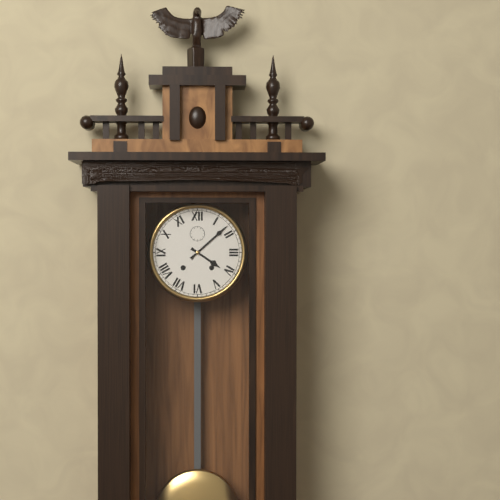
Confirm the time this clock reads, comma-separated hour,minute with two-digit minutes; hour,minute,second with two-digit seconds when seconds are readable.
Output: 4,08
